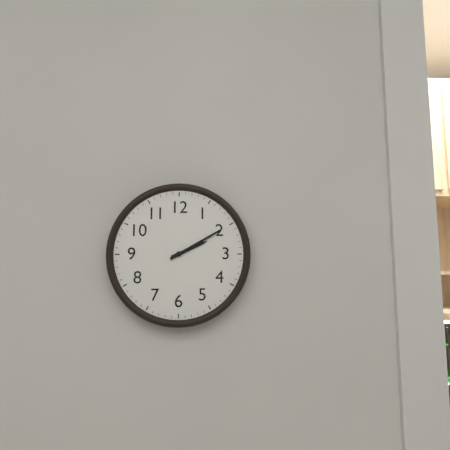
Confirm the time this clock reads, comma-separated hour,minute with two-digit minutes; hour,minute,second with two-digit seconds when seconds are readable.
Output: 2,10
